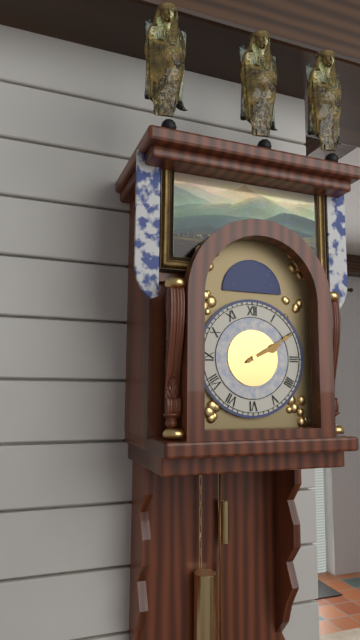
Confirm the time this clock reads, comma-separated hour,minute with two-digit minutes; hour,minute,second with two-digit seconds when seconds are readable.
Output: 2,10
